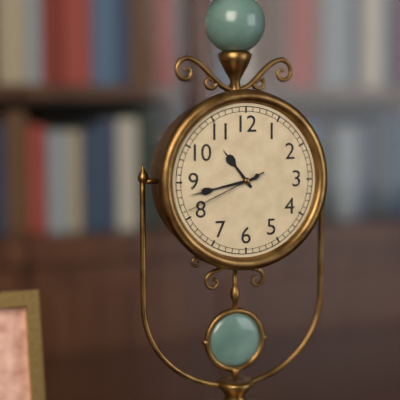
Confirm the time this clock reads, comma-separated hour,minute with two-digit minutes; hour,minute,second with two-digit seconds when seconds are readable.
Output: 10,43,41
